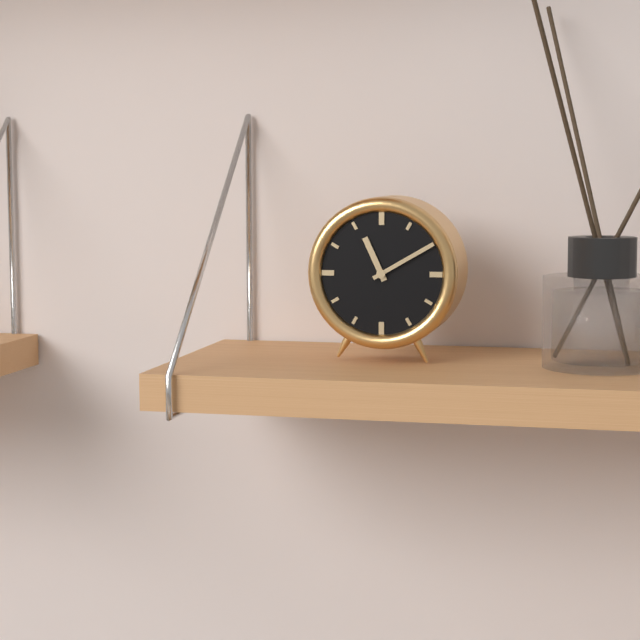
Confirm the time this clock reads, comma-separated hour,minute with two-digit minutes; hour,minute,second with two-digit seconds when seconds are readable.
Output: 11,10
